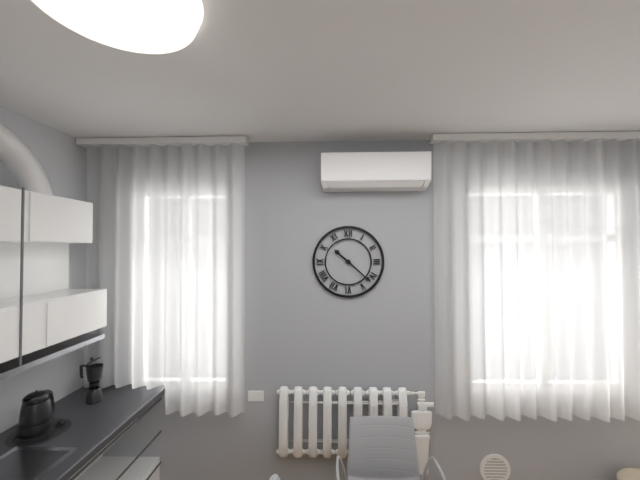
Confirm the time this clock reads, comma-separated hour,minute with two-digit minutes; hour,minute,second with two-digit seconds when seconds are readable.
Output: 10,22
